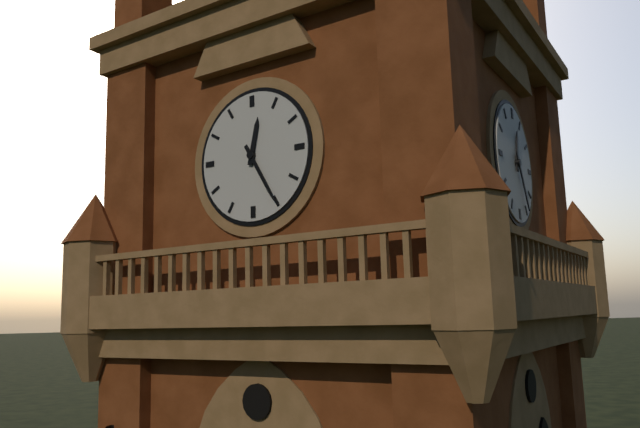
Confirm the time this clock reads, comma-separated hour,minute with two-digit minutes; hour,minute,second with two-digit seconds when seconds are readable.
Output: 12,25
